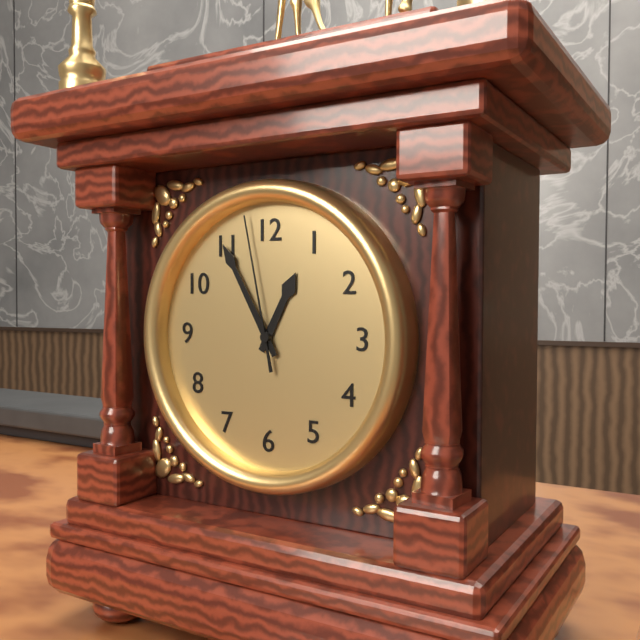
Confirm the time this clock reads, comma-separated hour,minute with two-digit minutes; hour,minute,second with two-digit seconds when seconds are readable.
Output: 12,55,58
